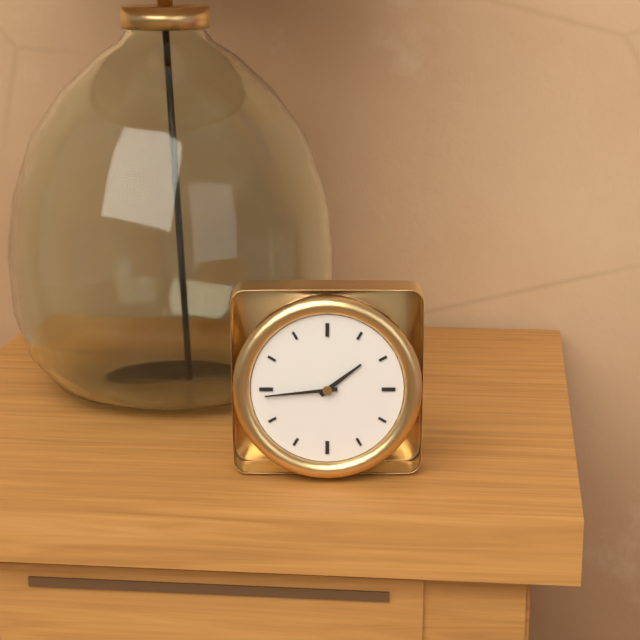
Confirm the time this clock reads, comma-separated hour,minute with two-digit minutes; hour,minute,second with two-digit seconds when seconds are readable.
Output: 1,44
